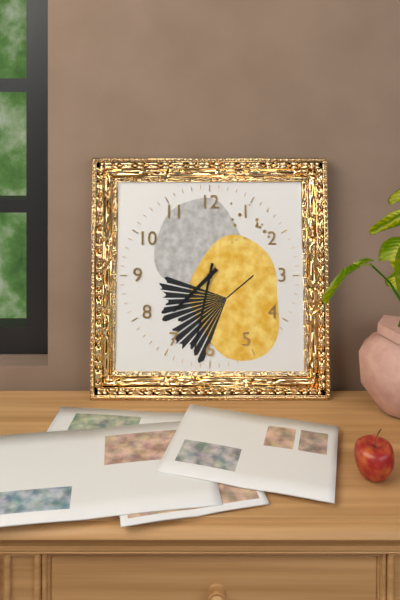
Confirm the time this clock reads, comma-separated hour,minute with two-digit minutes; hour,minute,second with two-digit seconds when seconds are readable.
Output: 7,32
